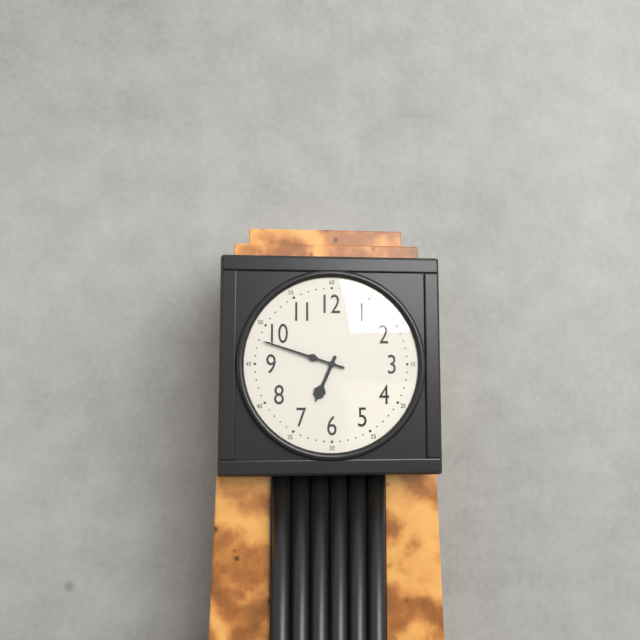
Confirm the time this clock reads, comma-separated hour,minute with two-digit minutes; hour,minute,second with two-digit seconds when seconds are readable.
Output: 6,48
